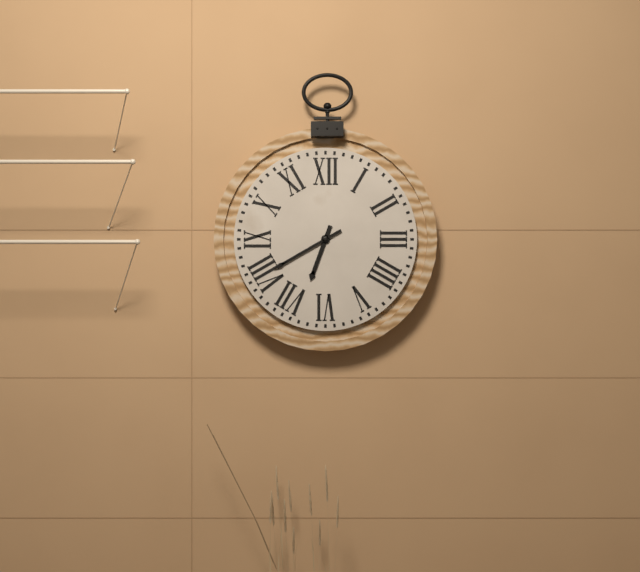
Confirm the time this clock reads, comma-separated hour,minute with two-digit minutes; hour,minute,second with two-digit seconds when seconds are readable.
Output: 6,40
